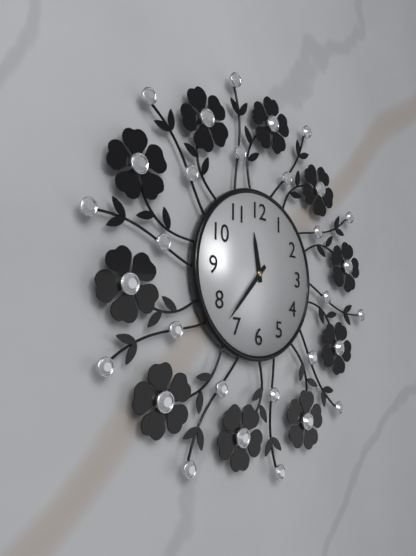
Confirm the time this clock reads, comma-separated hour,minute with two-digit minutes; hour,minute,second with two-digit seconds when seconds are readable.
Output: 11,37
